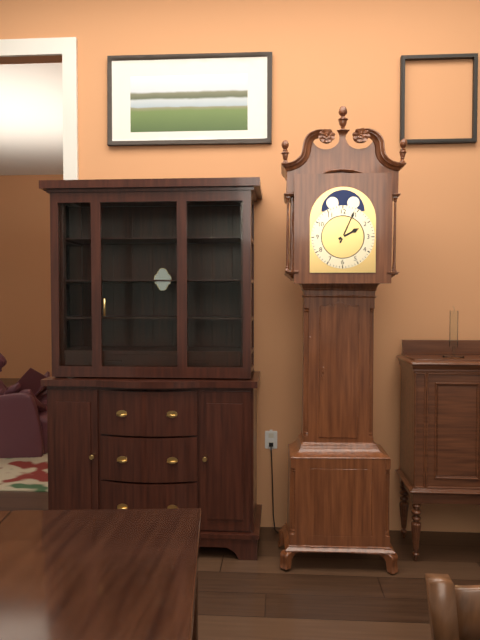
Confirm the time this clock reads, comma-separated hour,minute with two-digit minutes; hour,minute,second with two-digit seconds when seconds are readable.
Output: 2,04
